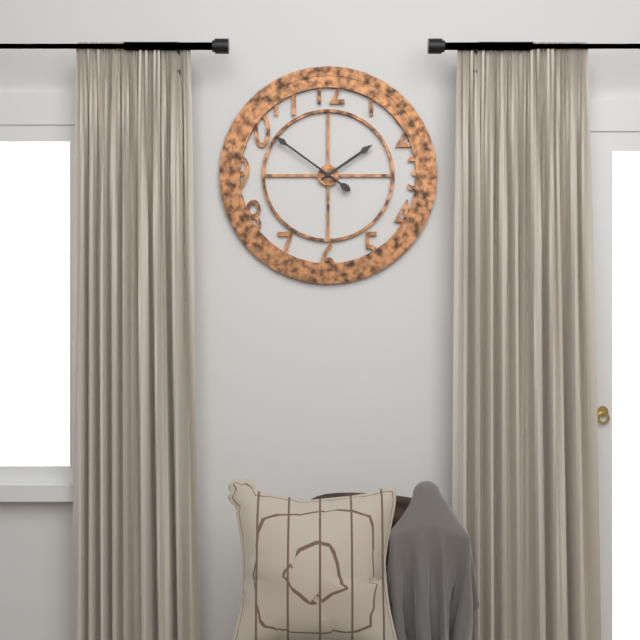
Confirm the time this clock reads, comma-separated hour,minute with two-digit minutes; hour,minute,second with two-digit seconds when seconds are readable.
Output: 1,51
